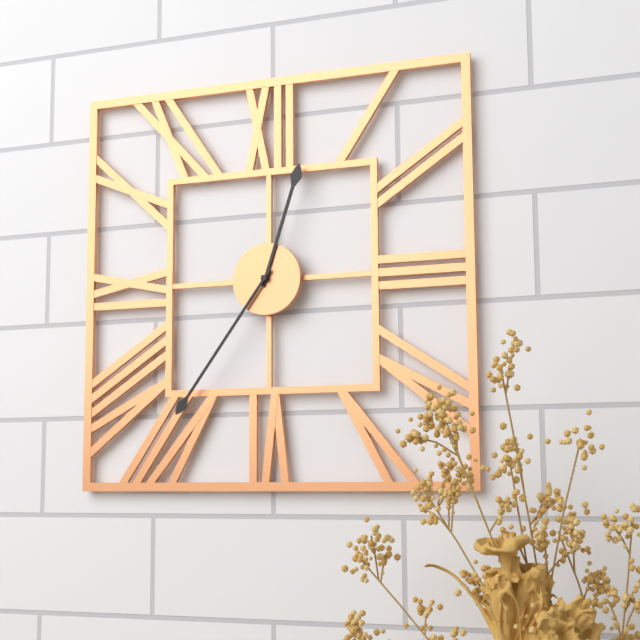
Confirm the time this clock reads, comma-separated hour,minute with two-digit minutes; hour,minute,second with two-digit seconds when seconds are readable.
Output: 12,36
